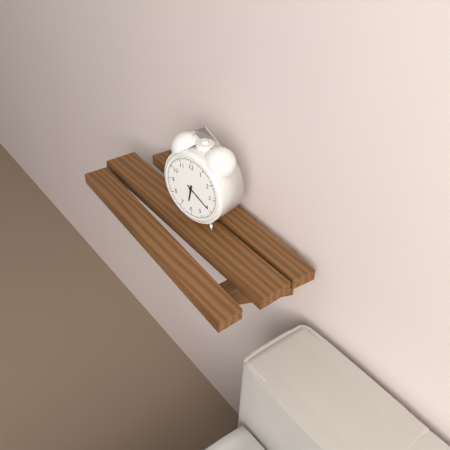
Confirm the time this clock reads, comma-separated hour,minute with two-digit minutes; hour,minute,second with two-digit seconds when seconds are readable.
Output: 6,20
